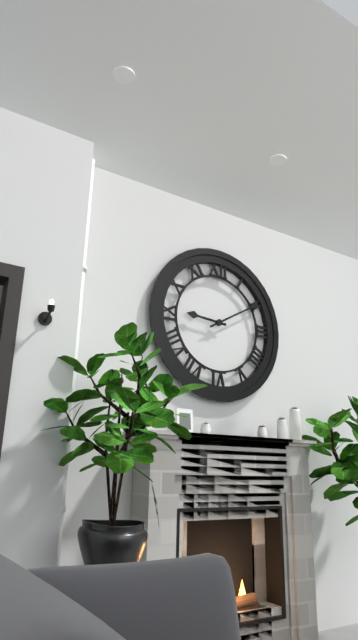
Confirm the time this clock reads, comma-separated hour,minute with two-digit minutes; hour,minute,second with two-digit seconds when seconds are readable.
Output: 9,10
